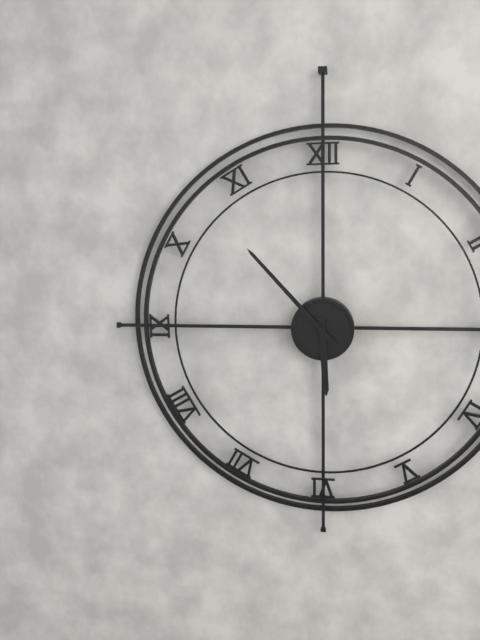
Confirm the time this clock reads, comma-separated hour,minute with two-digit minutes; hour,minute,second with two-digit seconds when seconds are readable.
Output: 5,53
